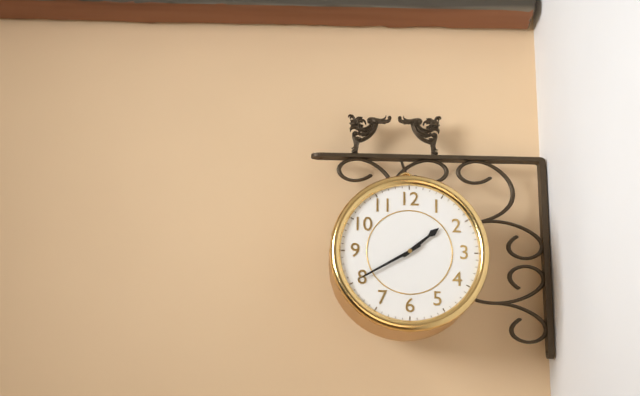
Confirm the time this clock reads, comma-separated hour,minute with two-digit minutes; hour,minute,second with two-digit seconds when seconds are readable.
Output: 1,40
